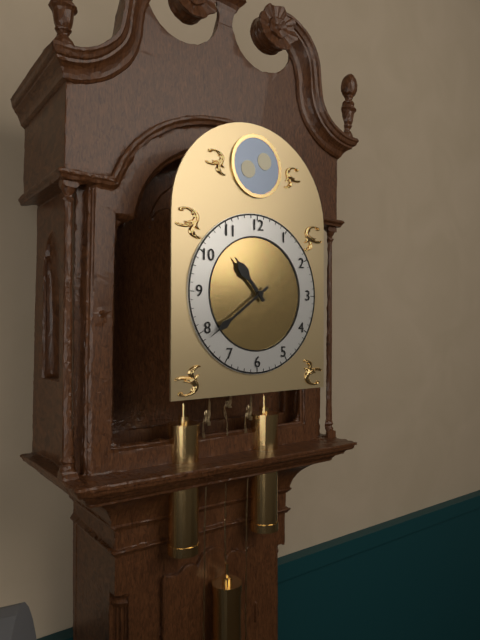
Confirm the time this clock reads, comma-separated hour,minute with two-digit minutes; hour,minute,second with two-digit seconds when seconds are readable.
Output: 10,39
